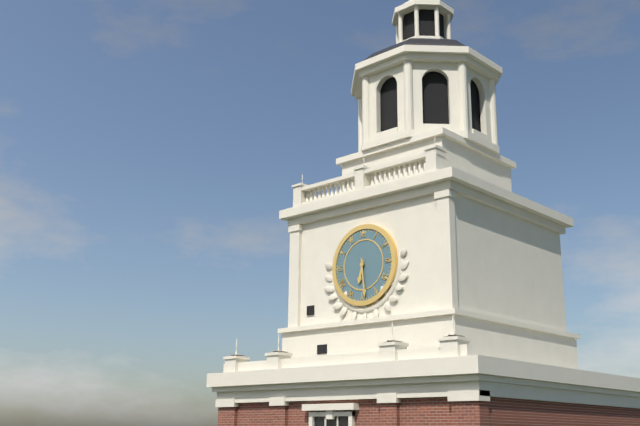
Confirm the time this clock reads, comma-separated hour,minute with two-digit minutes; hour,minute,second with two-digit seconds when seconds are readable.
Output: 6,29
